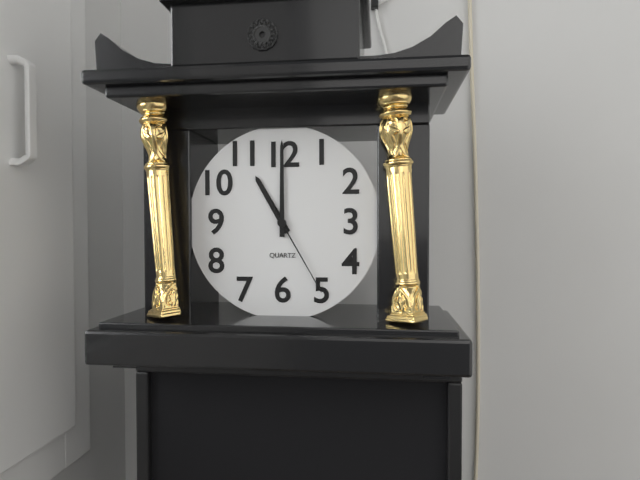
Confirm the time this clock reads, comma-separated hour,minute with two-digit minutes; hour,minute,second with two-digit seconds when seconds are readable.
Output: 11,00,25
